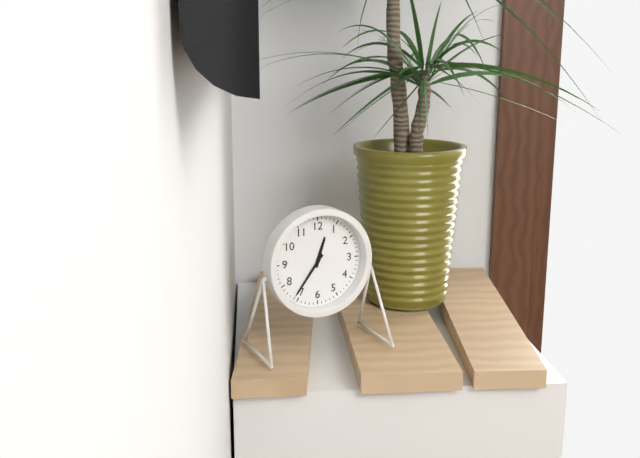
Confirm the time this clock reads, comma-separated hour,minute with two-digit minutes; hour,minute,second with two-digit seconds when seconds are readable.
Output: 12,36
